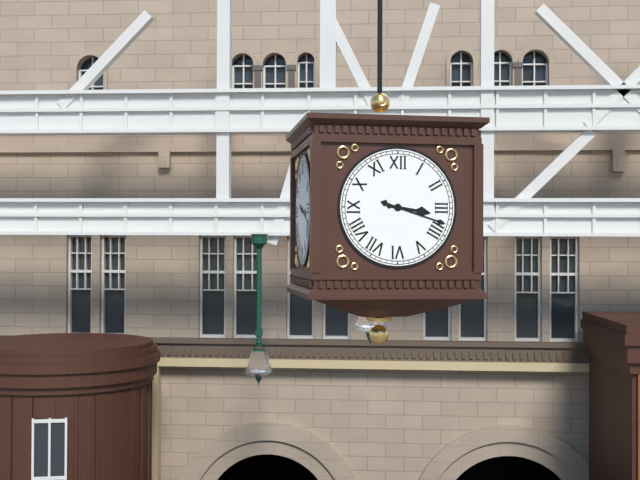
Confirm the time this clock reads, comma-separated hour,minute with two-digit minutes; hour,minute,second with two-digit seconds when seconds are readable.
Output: 3,18
